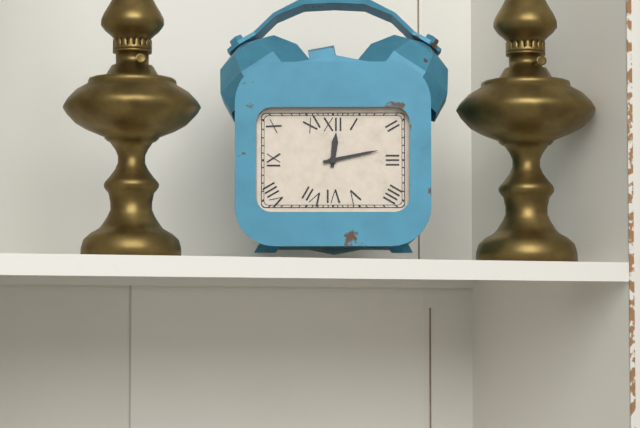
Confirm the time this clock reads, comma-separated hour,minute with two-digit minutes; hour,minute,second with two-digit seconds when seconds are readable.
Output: 12,13
